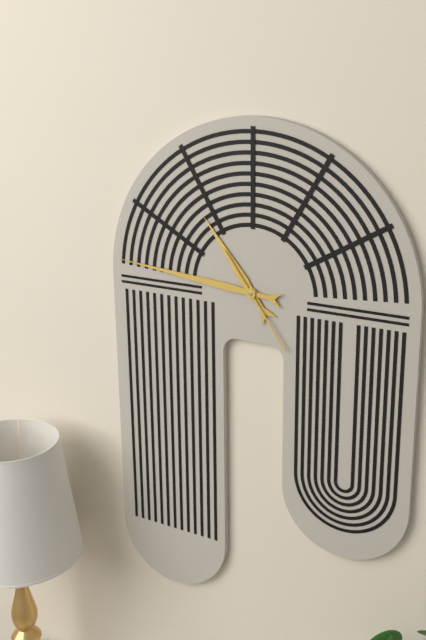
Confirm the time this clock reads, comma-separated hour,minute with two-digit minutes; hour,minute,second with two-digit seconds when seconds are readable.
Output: 10,46,24
